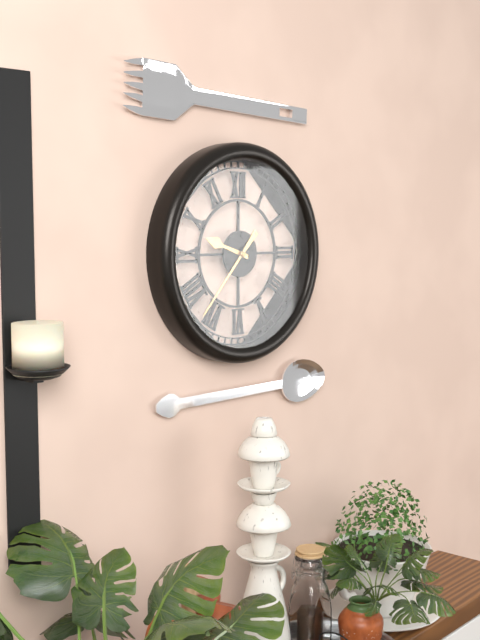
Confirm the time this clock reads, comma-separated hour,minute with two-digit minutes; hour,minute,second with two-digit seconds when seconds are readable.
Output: 9,37
